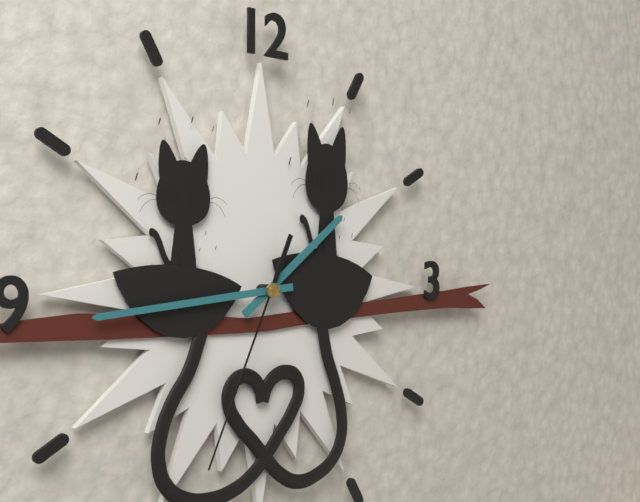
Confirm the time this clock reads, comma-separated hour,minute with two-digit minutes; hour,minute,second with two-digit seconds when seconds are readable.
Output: 1,44,34
